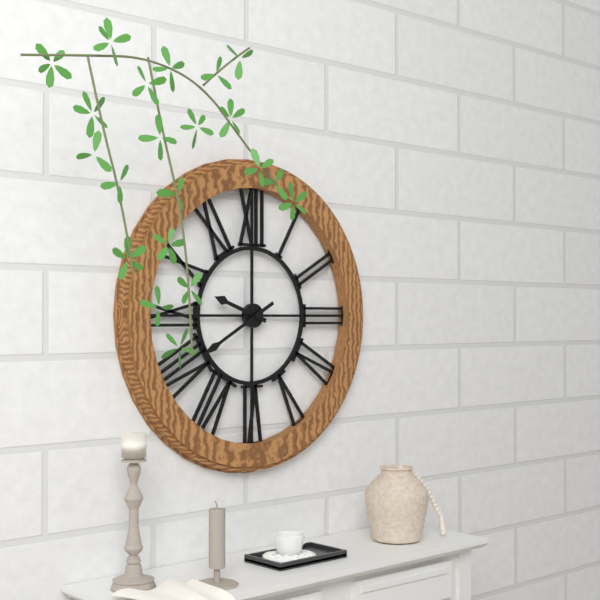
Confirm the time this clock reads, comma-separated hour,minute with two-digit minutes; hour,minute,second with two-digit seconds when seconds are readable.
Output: 9,40
